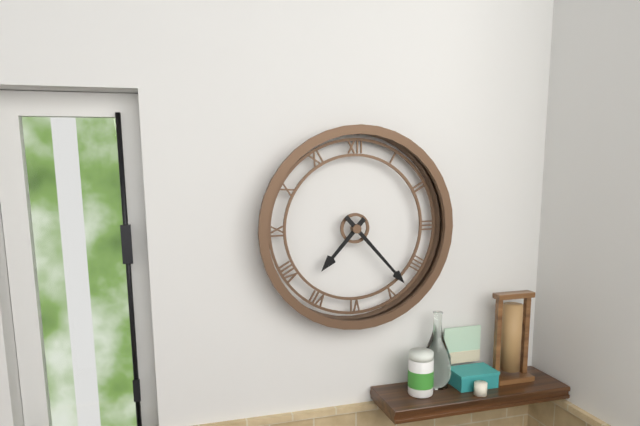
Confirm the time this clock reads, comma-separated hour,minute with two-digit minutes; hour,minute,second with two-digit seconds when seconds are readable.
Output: 7,23
